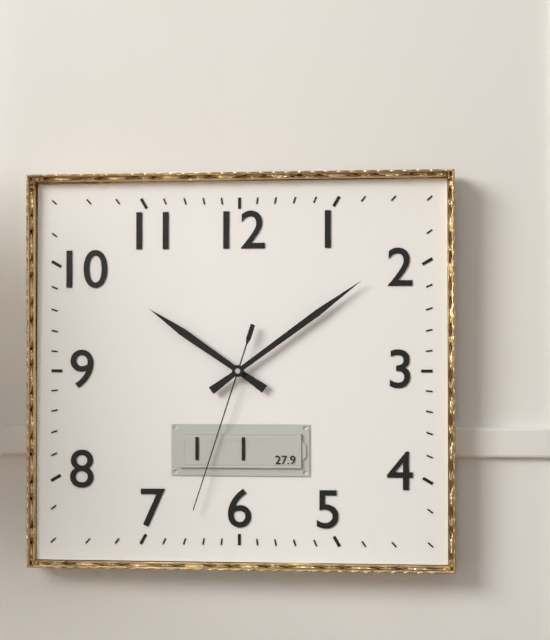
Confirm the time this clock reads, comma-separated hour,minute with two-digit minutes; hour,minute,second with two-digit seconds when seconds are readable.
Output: 10,09,33
